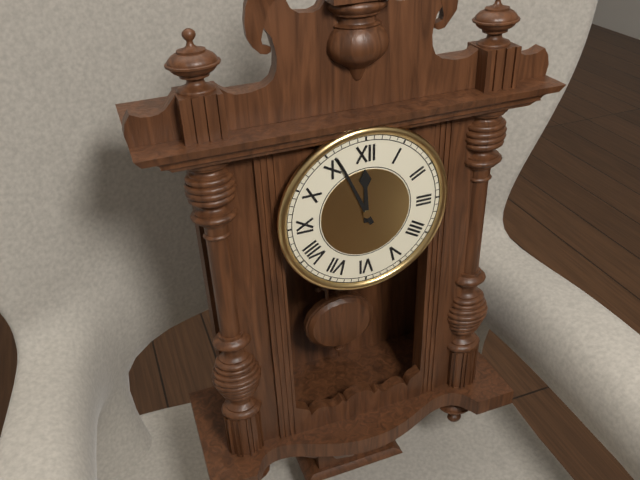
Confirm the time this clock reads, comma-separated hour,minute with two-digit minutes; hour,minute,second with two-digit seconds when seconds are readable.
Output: 11,56
